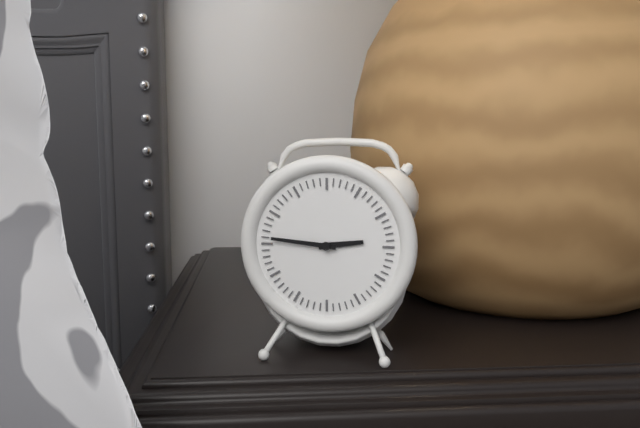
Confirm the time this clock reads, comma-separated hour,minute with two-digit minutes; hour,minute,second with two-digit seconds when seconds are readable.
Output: 2,46
